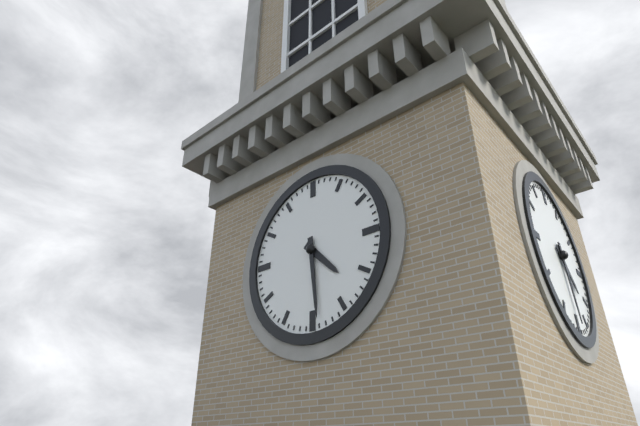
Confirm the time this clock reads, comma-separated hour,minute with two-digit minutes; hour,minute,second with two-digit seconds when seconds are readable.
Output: 4,29
